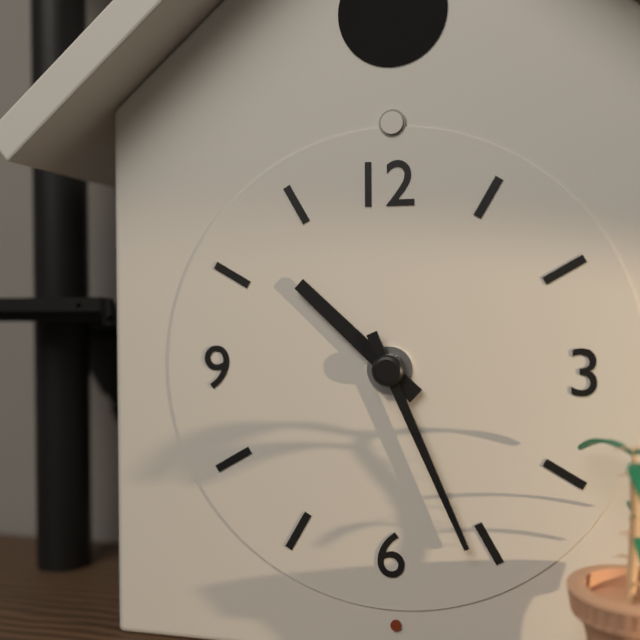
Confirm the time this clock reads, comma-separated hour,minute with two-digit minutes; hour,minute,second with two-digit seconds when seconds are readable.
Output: 10,26
